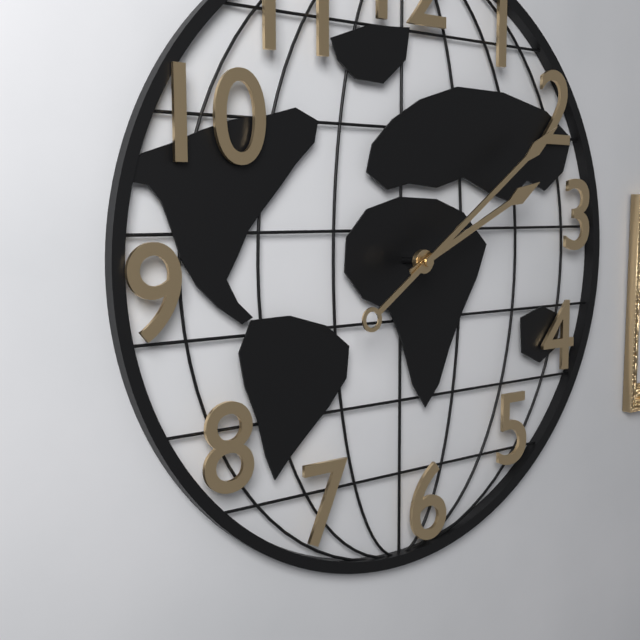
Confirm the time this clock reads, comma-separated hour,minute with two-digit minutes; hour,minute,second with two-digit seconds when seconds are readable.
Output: 2,09
